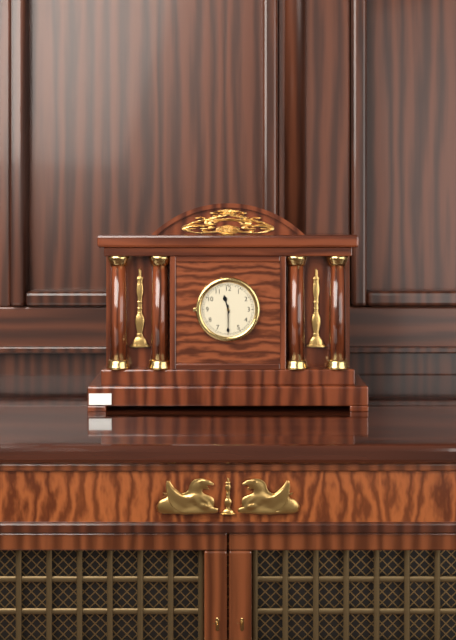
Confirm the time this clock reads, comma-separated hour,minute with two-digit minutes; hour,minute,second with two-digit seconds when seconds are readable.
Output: 11,30
